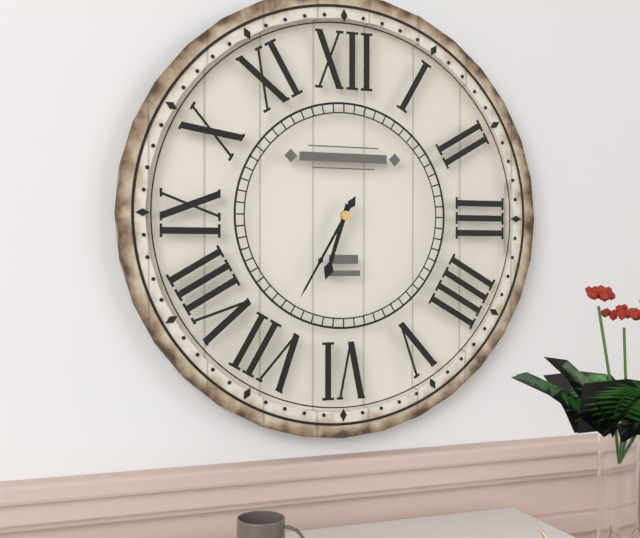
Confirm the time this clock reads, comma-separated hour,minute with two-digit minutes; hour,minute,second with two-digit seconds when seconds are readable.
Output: 6,35
